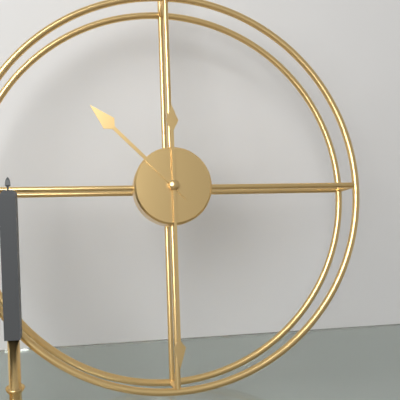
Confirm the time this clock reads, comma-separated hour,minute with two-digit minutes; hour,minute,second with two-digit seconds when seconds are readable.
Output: 10,30
